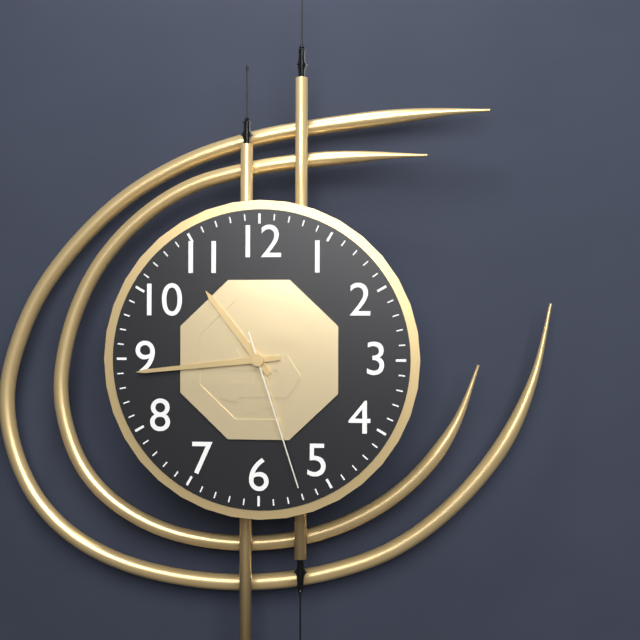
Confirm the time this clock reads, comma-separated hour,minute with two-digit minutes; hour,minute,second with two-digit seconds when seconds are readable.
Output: 10,44,27
